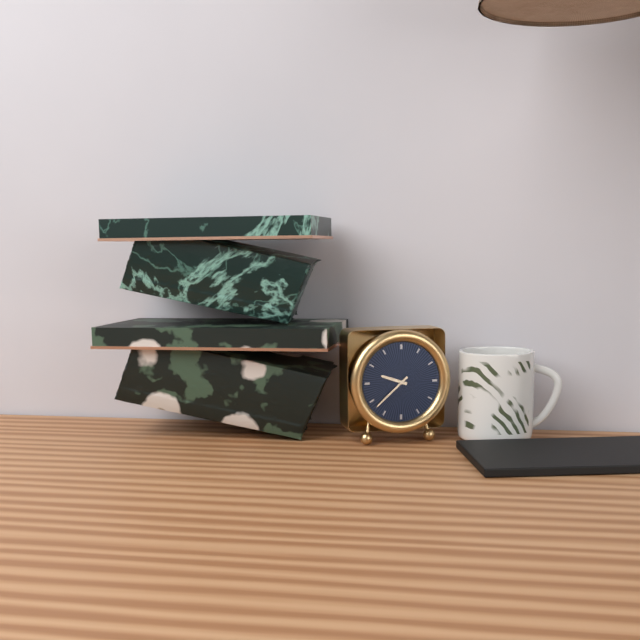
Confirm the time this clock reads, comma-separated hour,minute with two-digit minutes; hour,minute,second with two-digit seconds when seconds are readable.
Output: 9,38
